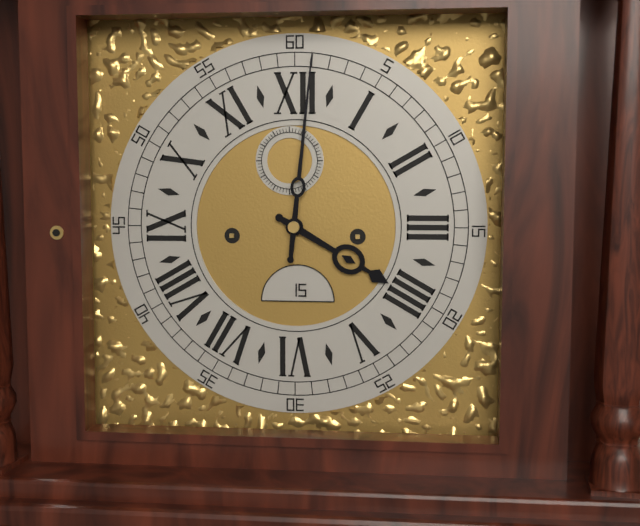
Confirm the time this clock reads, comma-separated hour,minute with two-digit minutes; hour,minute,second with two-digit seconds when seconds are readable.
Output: 4,01
